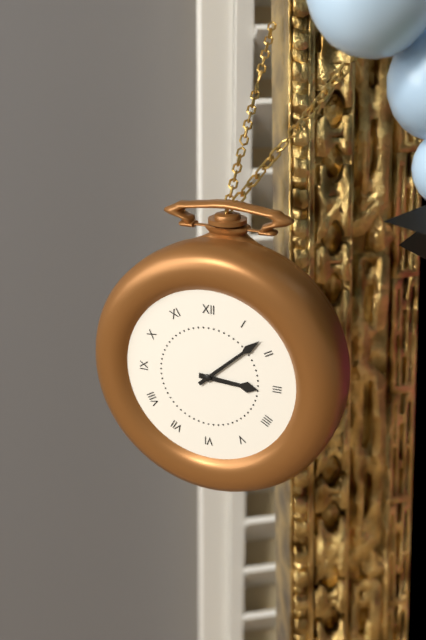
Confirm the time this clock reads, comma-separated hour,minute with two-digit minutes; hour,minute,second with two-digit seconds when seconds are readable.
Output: 3,08
